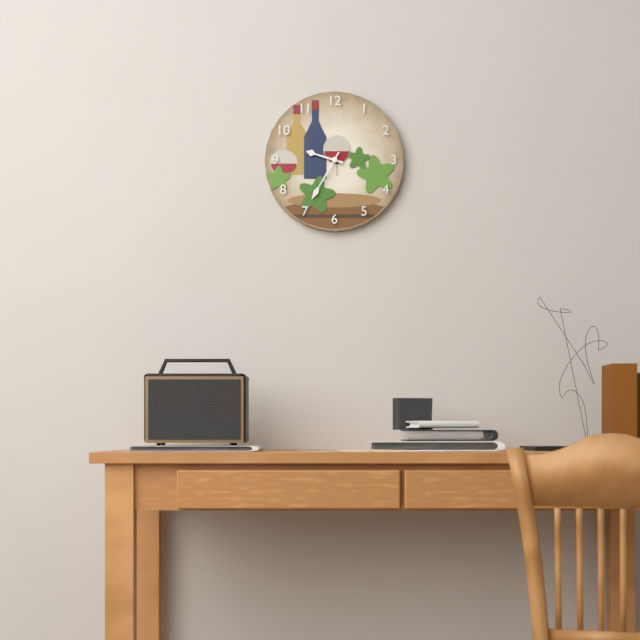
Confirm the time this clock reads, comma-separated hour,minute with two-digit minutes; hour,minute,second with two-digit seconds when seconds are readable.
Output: 9,35
